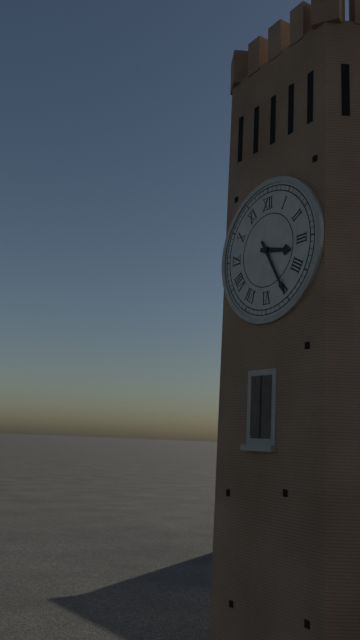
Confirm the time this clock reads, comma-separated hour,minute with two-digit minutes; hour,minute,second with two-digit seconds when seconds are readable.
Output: 3,25
